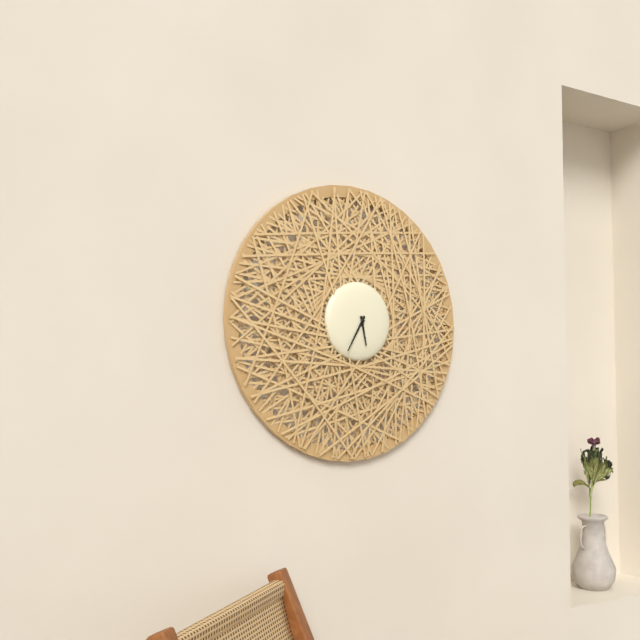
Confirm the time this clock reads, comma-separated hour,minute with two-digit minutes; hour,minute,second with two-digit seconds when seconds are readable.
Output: 5,35
